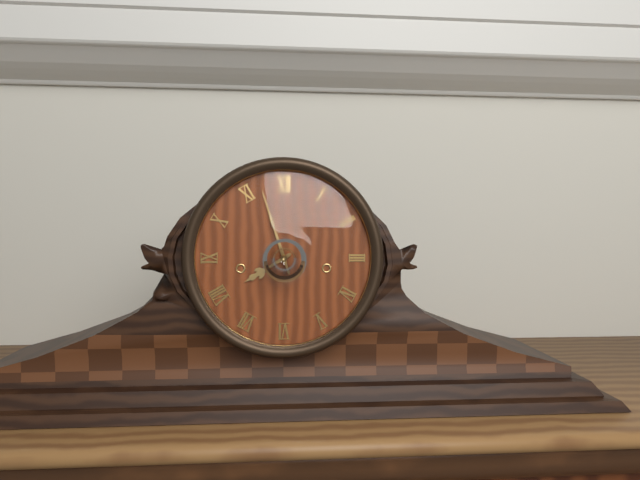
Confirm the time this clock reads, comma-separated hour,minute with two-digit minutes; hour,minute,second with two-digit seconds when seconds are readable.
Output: 7,57
